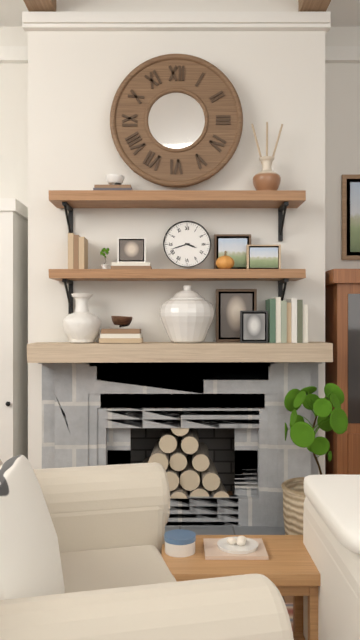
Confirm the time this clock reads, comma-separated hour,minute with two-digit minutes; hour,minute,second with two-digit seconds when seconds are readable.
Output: 3,42
